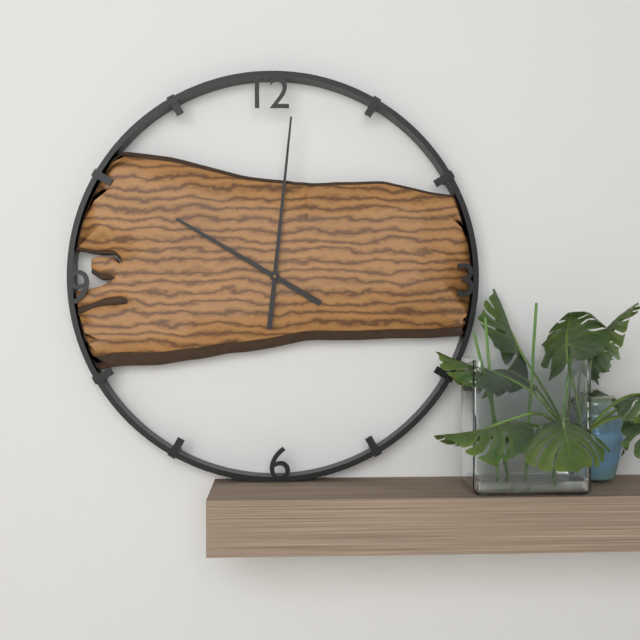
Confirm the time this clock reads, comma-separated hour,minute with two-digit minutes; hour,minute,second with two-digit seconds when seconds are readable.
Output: 10,01
